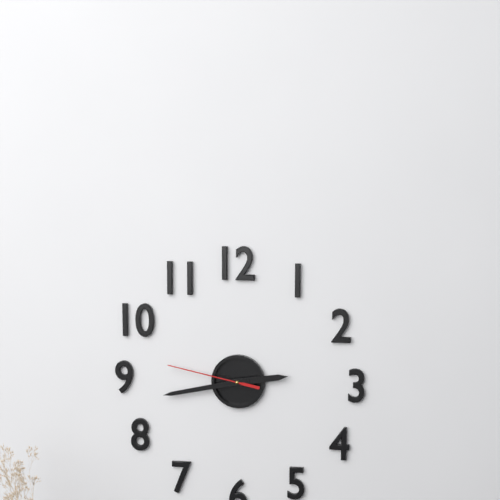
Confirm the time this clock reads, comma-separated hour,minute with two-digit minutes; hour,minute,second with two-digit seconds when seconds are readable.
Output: 2,43,47
